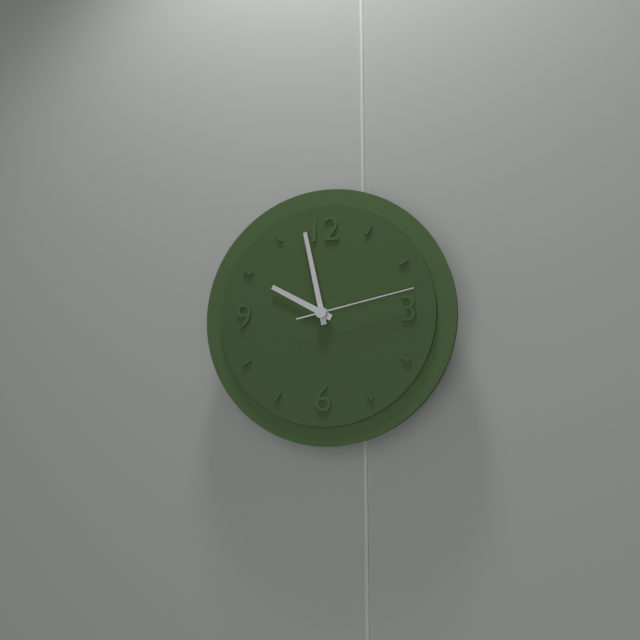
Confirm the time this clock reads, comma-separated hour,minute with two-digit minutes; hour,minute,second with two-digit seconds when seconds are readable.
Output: 9,58,13
